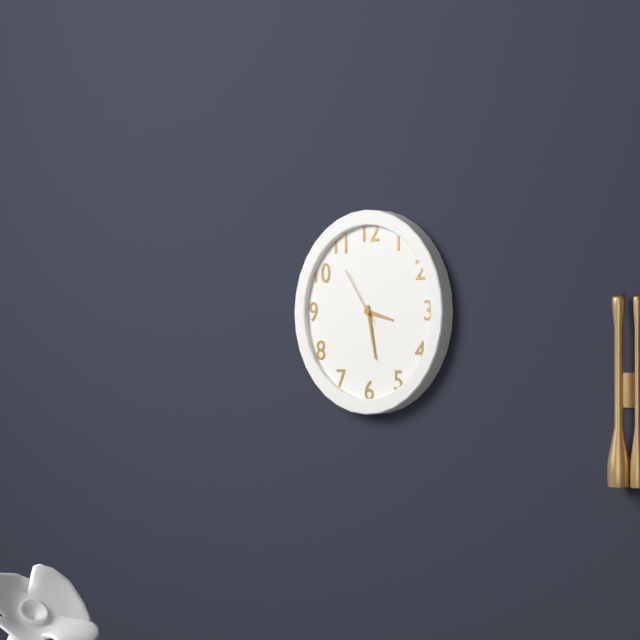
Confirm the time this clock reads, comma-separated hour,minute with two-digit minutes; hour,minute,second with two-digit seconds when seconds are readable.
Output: 3,28,54
